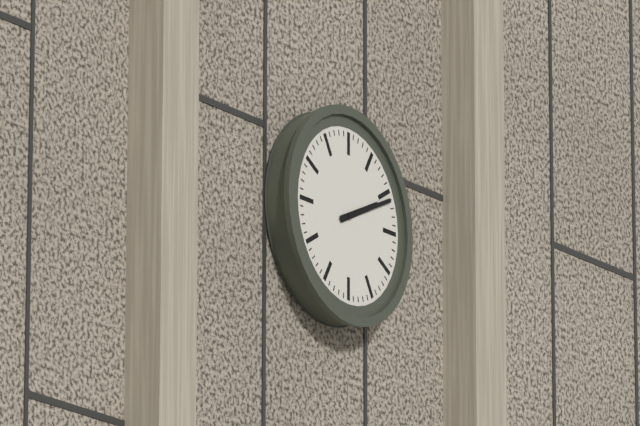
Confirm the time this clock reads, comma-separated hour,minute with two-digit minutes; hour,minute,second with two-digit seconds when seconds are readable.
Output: 2,11
